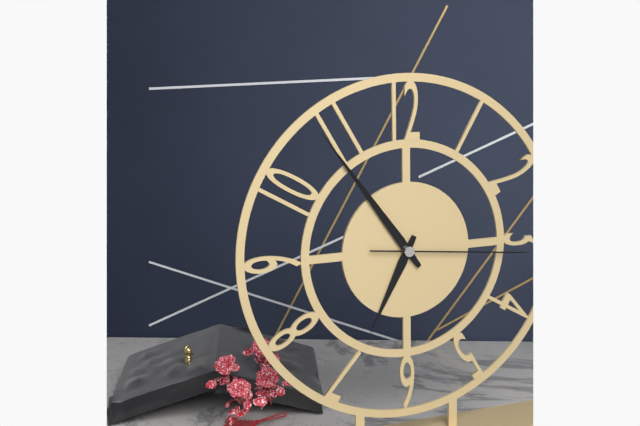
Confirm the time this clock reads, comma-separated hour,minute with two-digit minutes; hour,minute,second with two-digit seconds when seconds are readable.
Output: 6,54,16
